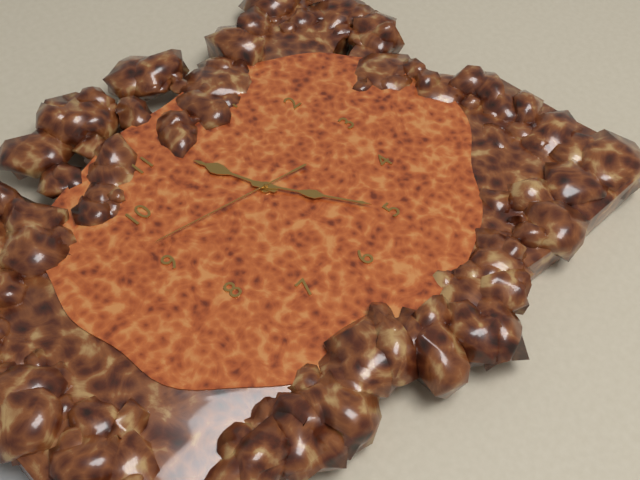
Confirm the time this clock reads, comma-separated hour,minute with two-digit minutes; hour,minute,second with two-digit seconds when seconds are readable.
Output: 11,25,47
